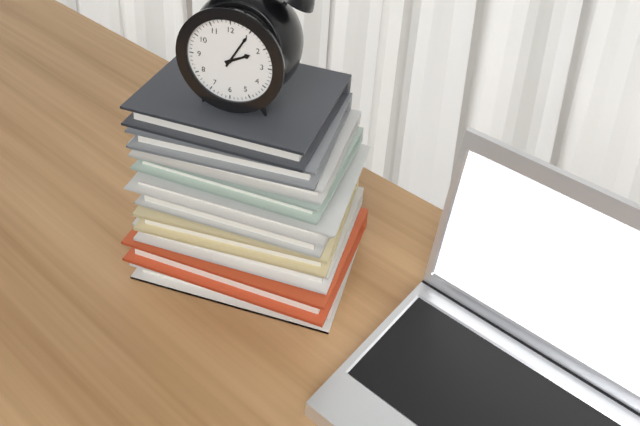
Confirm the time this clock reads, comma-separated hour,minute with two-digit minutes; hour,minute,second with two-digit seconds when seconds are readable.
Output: 2,05
